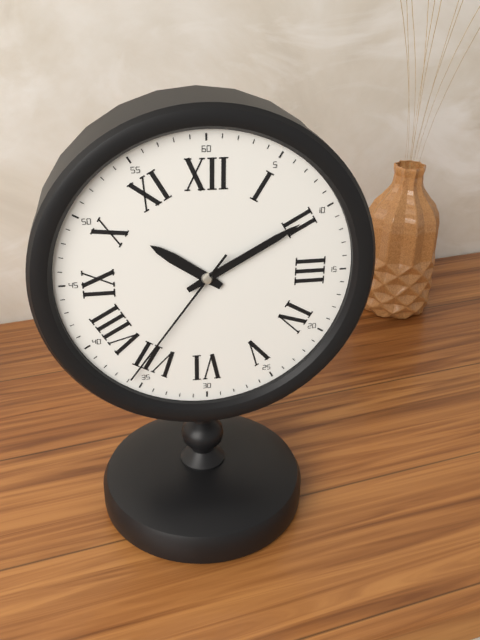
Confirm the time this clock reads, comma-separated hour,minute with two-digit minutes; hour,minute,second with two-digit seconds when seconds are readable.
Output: 10,10,36
